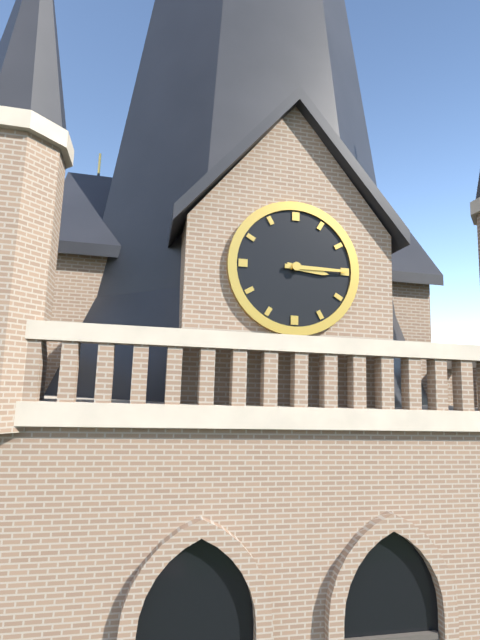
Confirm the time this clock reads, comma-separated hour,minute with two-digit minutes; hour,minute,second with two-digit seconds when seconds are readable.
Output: 3,15
